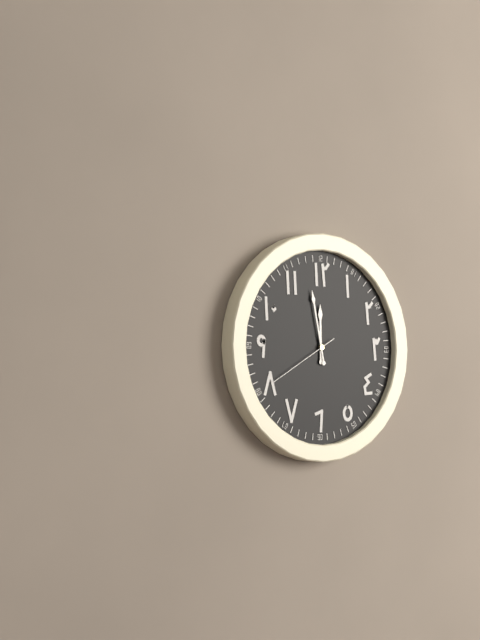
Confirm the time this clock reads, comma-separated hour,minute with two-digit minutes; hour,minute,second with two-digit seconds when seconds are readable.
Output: 11,58,40
